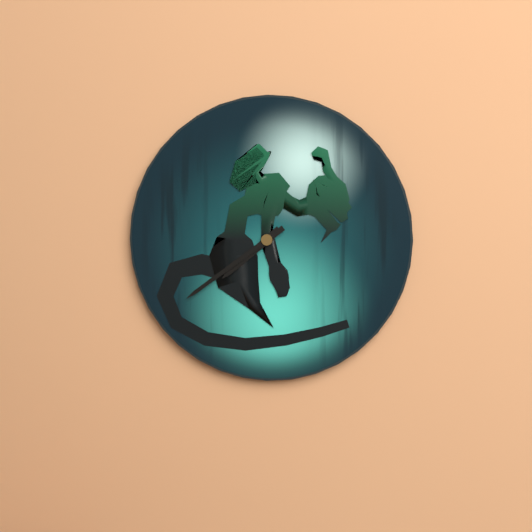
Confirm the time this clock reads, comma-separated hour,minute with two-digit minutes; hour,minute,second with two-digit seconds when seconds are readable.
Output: 7,39
